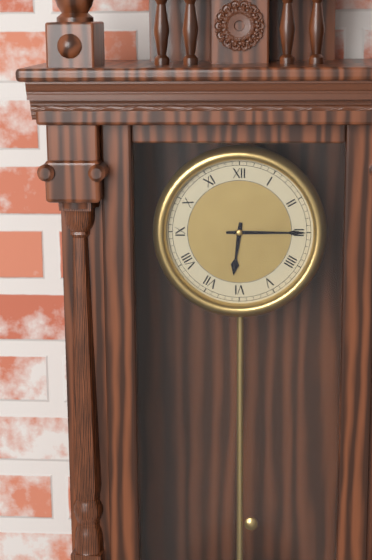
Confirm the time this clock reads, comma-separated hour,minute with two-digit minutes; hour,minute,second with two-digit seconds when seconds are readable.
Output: 6,15
